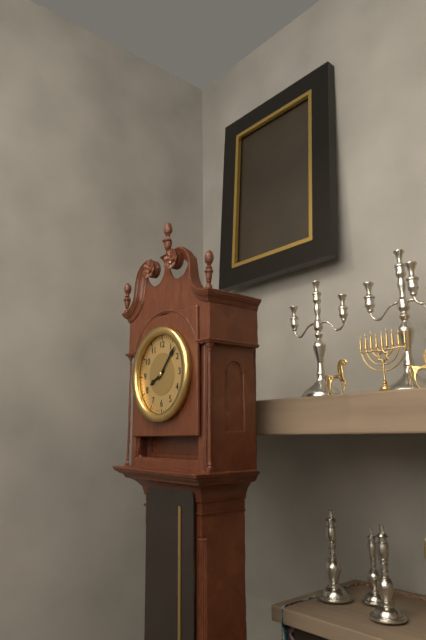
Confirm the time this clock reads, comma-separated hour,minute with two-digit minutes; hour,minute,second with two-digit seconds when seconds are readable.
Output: 8,07
